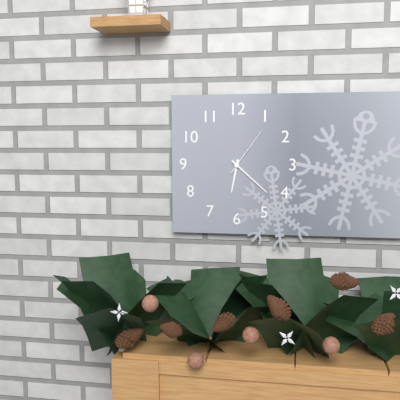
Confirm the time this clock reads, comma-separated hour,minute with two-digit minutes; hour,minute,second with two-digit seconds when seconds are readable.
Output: 6,22,06
